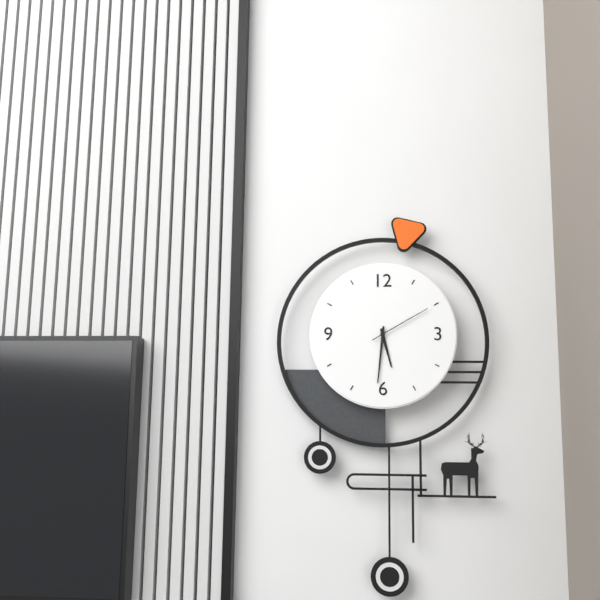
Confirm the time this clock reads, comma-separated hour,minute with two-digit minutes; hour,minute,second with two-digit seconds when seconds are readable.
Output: 5,31,10
